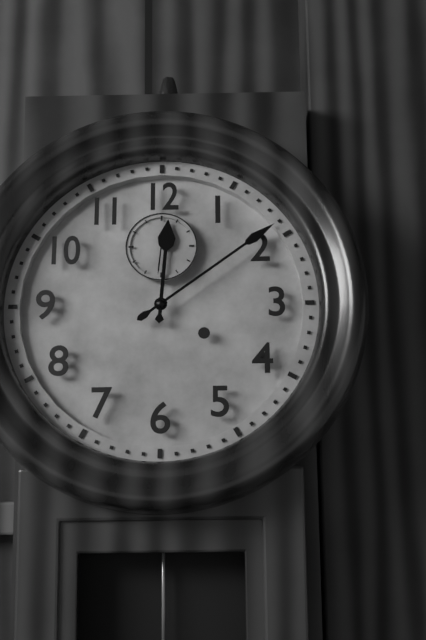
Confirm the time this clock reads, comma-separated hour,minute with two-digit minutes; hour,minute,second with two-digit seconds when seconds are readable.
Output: 12,09
